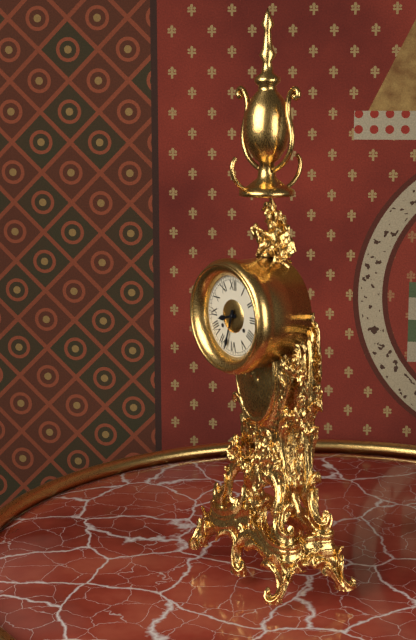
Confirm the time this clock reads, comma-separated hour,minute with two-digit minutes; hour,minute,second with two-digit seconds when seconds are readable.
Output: 8,33
